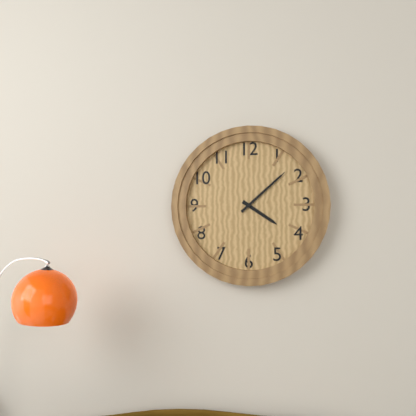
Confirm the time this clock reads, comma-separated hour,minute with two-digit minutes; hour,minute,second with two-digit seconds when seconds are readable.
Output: 4,08
